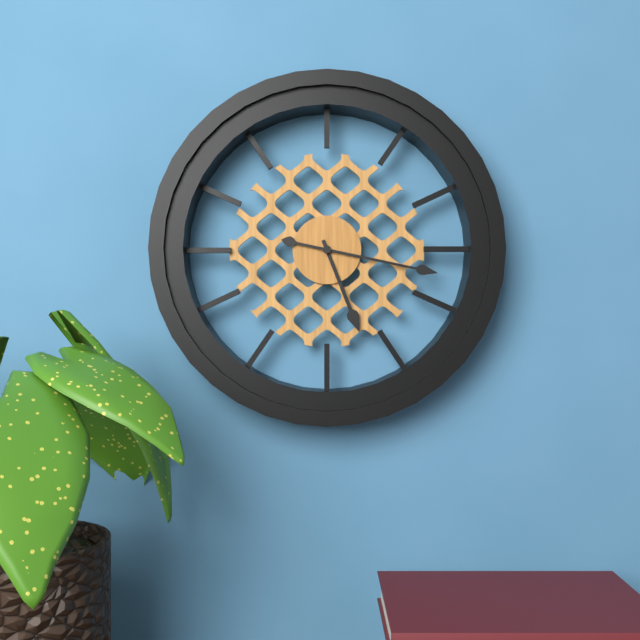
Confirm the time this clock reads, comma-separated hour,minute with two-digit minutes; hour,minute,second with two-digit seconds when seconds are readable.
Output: 5,17
